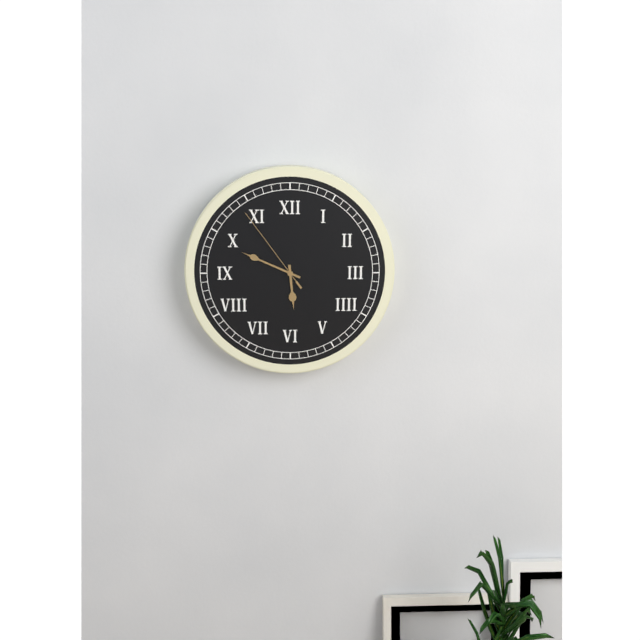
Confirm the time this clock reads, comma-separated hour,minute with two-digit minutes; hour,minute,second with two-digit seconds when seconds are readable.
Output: 5,49,54
